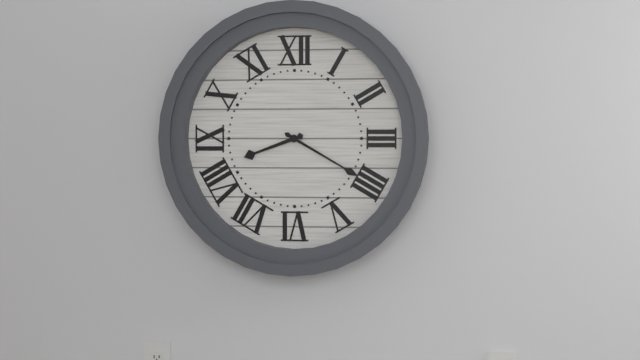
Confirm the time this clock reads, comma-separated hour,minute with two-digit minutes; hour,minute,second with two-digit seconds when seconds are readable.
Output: 8,20
